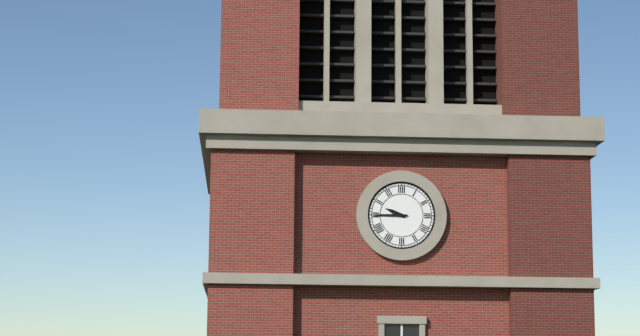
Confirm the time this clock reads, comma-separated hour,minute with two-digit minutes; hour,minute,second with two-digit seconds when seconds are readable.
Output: 9,45
